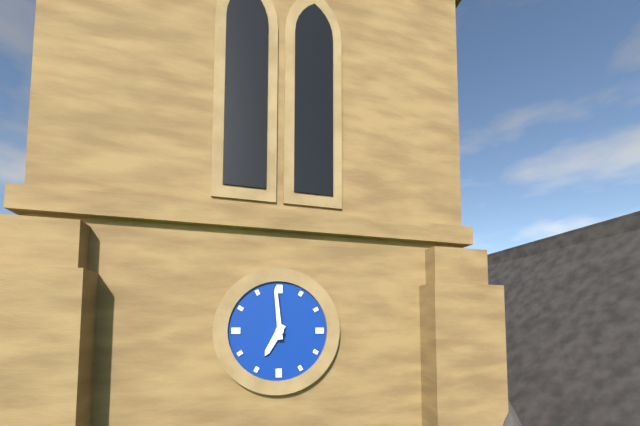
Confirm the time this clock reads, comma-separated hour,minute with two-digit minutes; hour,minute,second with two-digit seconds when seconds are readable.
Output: 6,59
